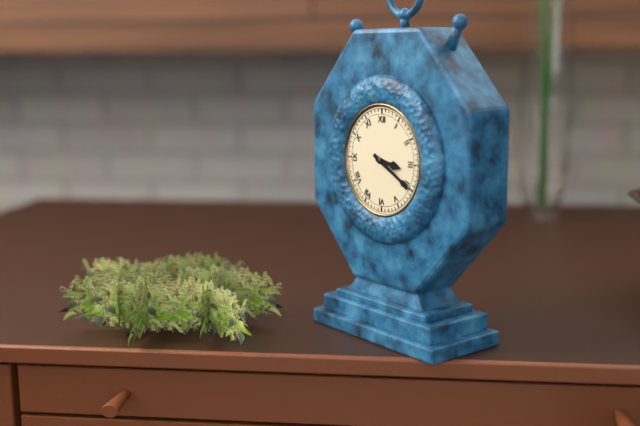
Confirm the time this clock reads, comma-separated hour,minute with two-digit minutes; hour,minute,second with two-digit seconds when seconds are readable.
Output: 3,20
